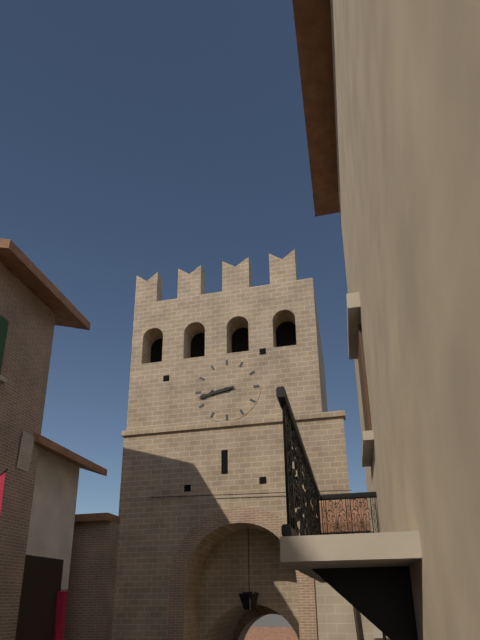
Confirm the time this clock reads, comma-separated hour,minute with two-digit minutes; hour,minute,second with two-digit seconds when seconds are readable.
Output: 8,43
